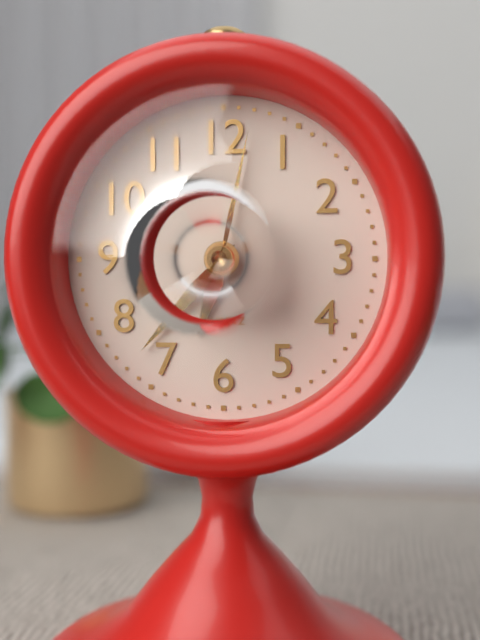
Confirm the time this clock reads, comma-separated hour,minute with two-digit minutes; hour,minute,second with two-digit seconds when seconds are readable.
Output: 6,37,02
